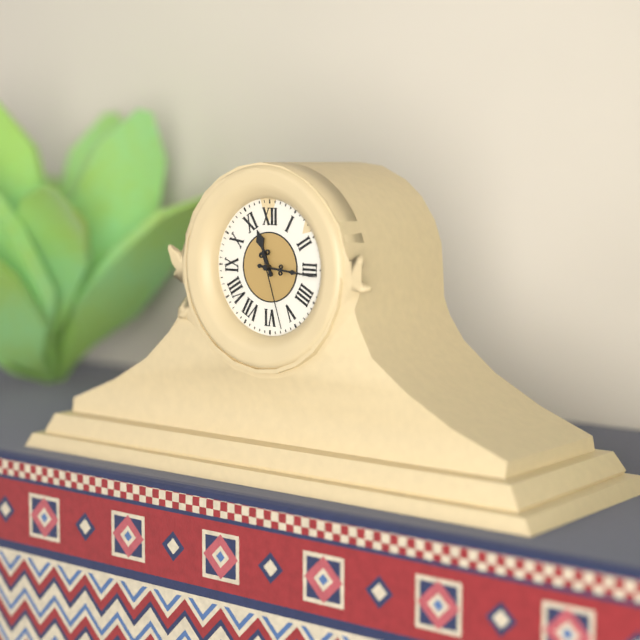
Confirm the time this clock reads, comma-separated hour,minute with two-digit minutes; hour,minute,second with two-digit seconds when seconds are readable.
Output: 11,16,27
